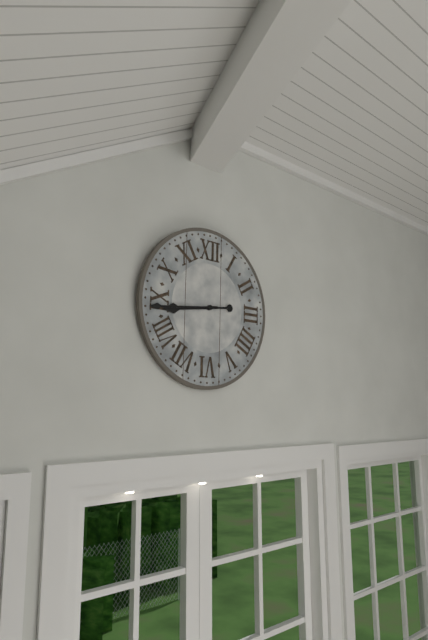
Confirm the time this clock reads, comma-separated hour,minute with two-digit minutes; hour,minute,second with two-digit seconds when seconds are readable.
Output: 8,44
